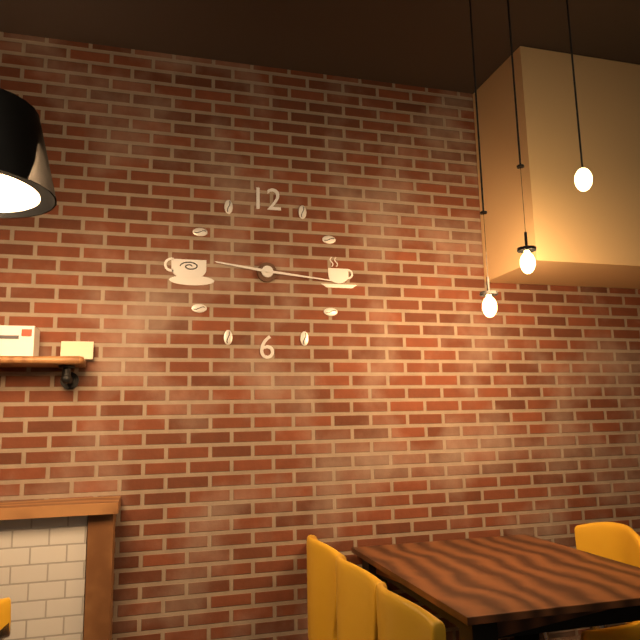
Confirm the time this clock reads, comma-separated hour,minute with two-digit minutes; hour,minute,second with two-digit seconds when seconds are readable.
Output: 9,16
